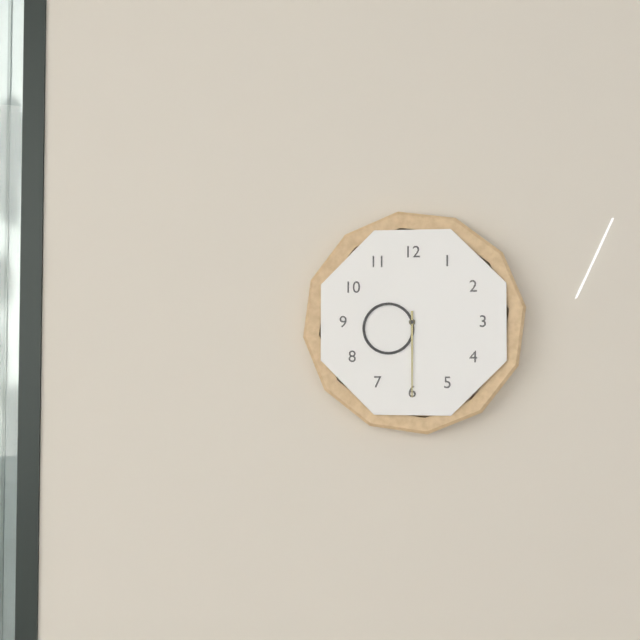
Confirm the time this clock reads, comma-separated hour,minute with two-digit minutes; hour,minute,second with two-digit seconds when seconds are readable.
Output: 8,30
